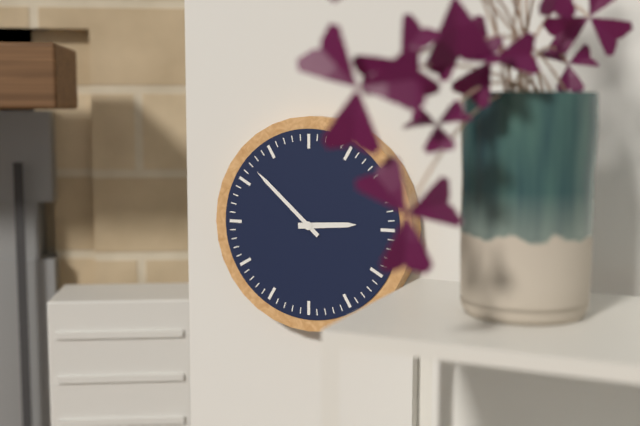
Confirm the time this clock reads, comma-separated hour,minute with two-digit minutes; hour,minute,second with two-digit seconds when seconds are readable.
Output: 2,52
